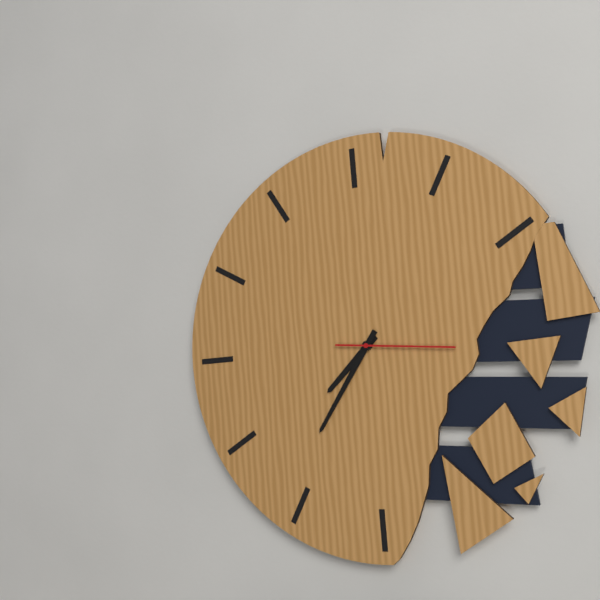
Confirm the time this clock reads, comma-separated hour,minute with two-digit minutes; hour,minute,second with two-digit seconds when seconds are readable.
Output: 7,36,16
